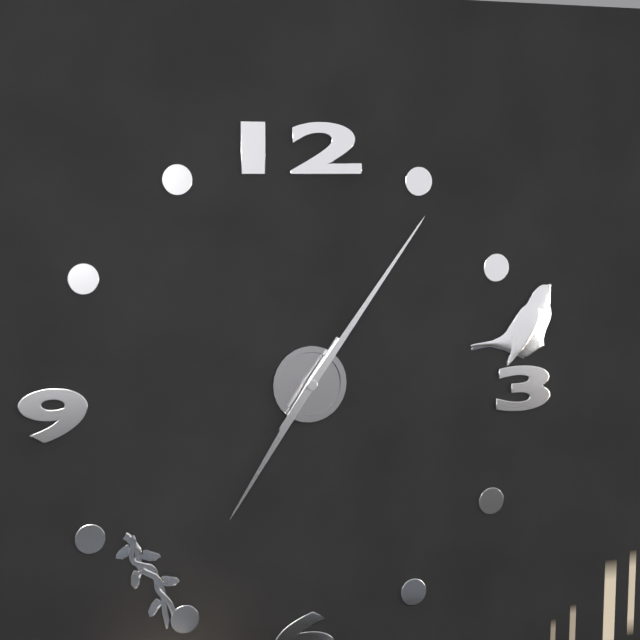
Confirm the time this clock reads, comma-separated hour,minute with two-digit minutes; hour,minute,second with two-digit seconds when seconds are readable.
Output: 7,06
